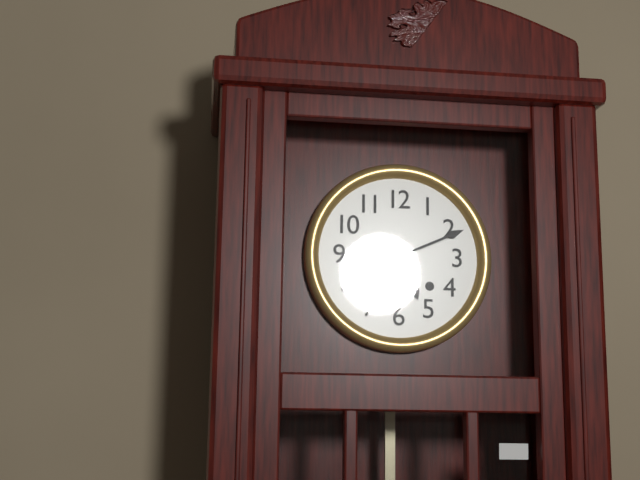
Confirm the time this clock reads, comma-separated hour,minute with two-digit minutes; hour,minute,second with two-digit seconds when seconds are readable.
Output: 5,11
